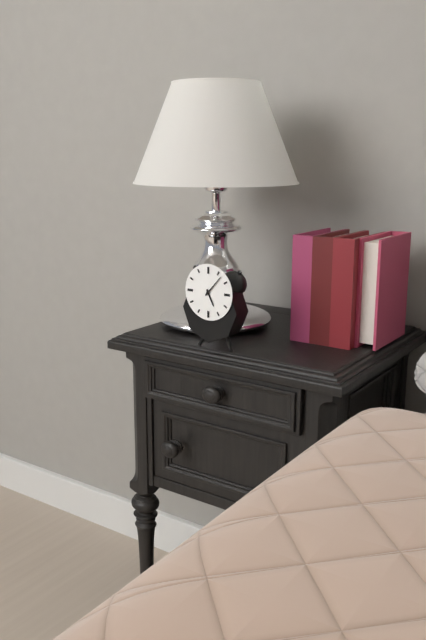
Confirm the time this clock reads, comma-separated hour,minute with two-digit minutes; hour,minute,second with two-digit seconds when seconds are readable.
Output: 5,07
